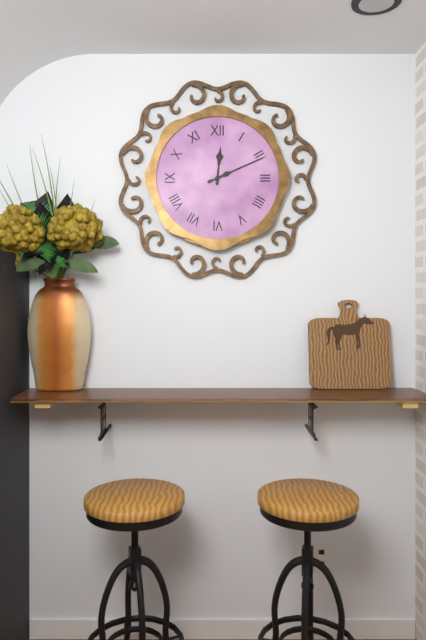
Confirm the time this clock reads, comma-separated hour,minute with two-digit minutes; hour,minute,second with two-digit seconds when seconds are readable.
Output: 12,11
